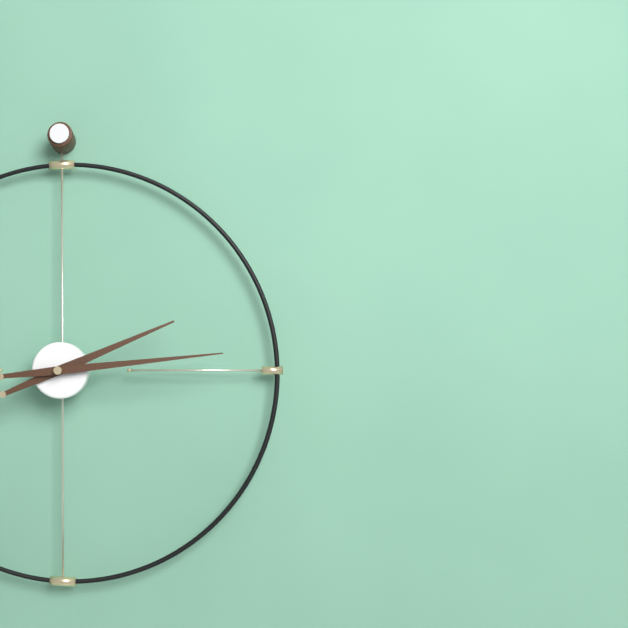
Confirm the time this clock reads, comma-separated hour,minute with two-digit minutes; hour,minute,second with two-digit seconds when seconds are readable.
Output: 2,14
